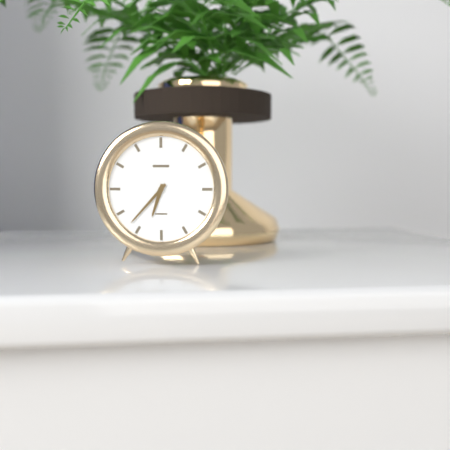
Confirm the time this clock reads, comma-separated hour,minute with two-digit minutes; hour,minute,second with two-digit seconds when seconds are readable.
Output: 6,37
